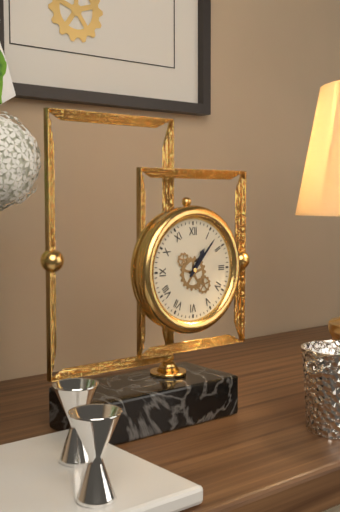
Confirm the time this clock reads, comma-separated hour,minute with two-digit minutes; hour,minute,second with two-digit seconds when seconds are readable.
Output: 1,07
